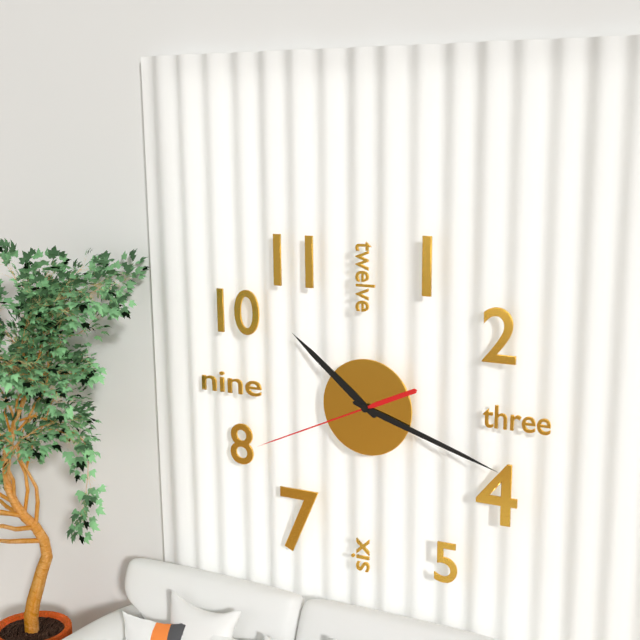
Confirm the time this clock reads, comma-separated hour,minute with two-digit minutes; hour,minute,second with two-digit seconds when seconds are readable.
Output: 10,18,41
